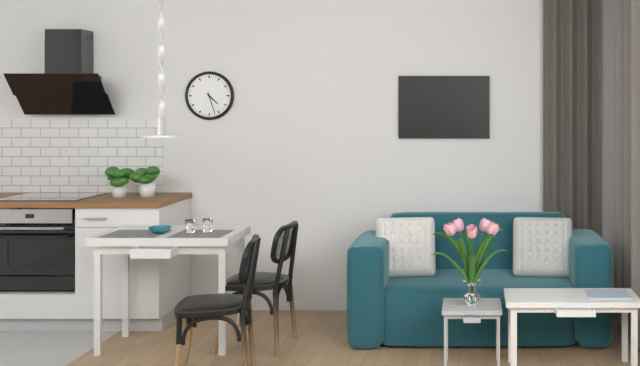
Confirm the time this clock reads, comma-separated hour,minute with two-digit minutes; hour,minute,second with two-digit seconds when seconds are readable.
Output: 4,27
